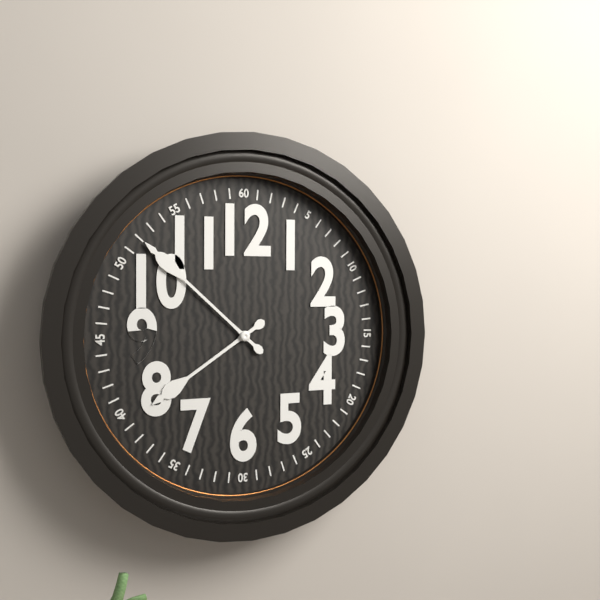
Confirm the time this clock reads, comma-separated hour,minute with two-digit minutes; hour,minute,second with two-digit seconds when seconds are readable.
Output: 7,52
